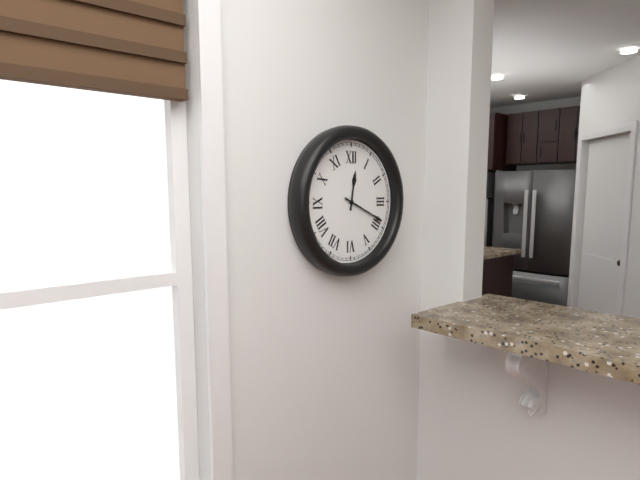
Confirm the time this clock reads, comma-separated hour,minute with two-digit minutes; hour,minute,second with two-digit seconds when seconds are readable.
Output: 12,19
